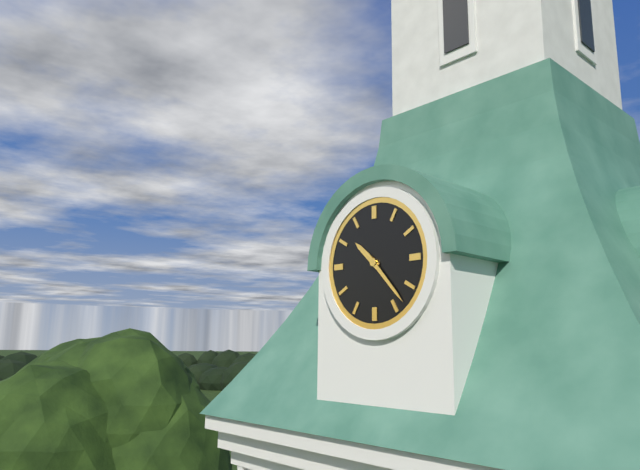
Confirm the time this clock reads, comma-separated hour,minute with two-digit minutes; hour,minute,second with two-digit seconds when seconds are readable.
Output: 10,23
